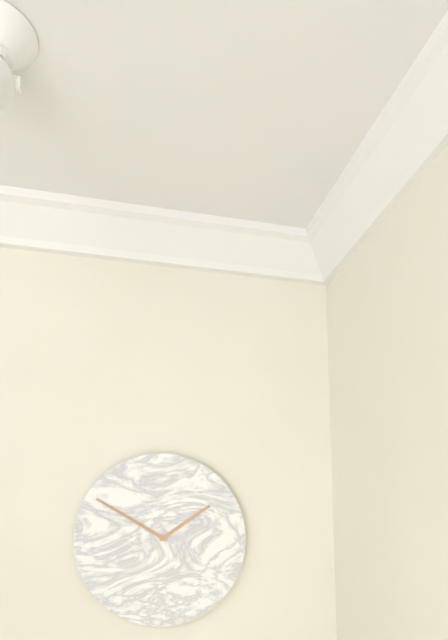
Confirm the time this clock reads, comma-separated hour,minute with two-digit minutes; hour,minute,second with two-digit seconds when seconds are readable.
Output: 1,50
